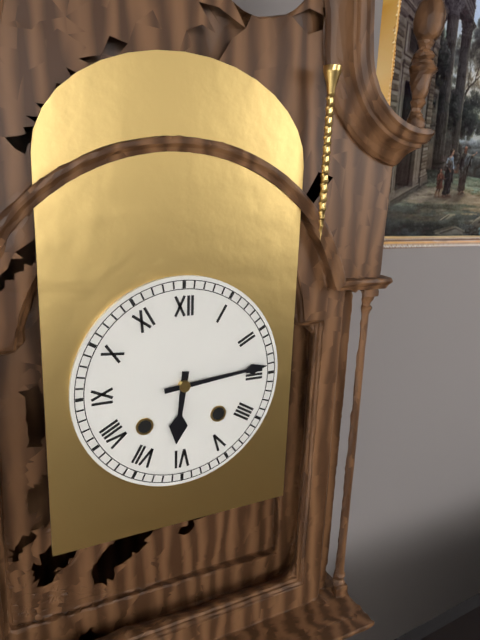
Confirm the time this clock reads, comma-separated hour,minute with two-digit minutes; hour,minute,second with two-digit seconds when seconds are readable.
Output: 6,14
